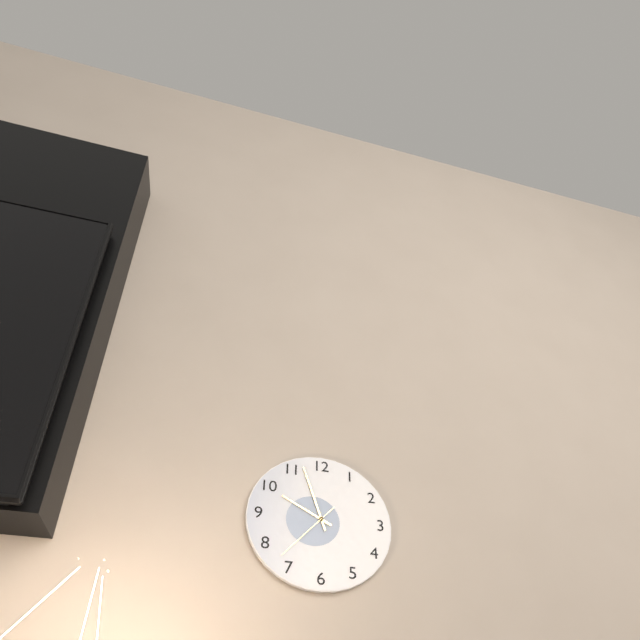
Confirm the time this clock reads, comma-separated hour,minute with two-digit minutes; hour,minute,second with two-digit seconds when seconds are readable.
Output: 9,57,37
